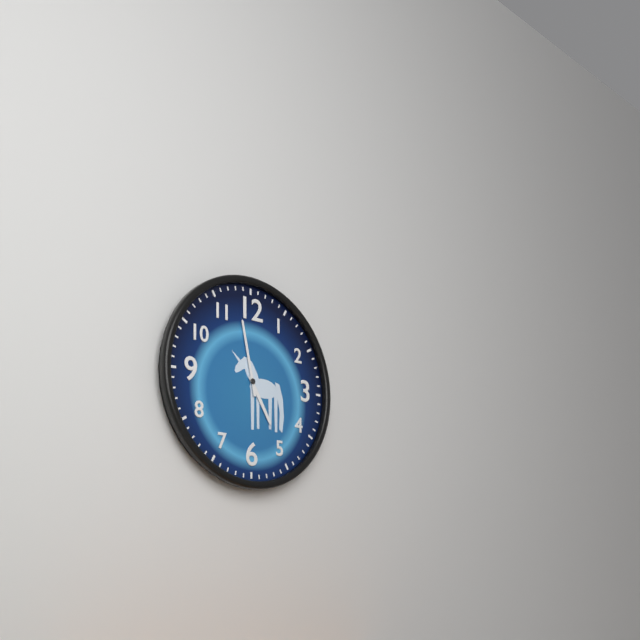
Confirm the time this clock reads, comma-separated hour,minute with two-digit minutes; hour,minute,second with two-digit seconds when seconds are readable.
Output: 4,58
